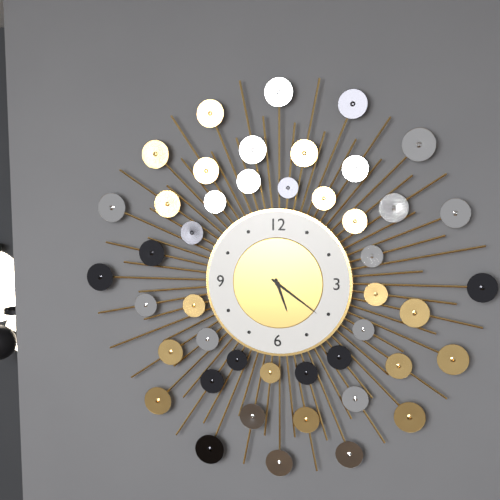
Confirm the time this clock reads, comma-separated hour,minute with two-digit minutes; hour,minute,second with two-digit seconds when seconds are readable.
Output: 5,21
